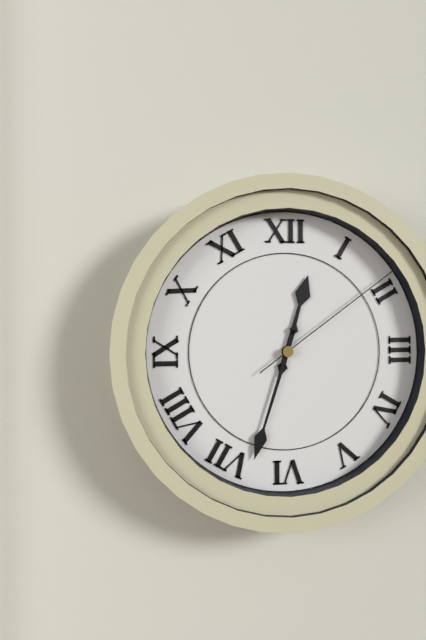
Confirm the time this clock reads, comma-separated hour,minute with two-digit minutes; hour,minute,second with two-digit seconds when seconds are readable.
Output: 12,33,09
